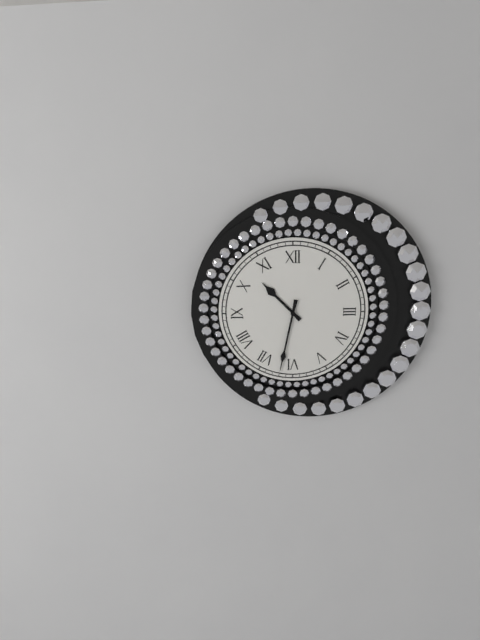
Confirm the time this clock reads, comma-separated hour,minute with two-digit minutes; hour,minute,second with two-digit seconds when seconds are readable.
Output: 10,32
